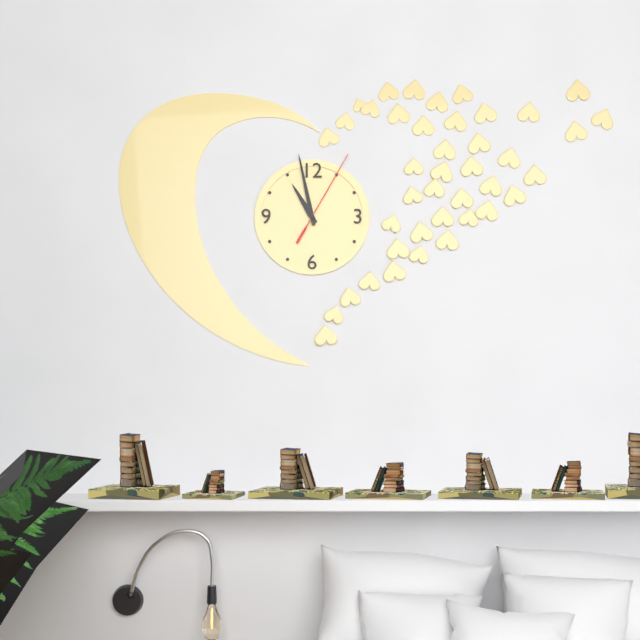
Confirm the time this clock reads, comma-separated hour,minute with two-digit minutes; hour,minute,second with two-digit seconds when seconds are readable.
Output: 10,58,05
